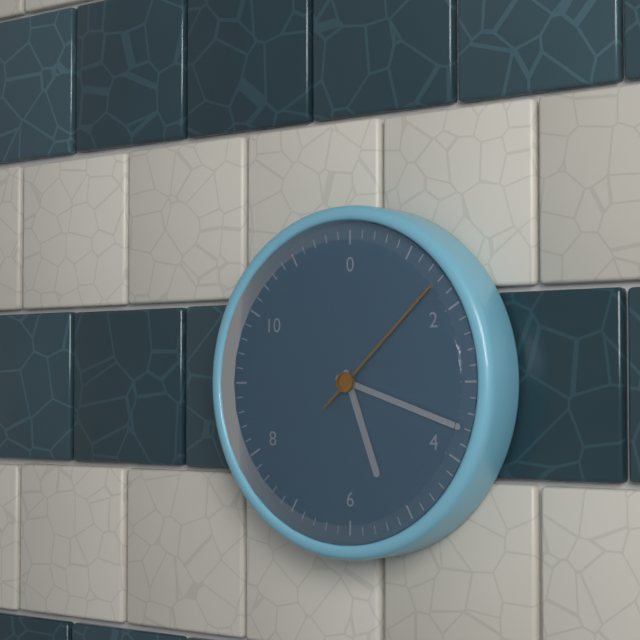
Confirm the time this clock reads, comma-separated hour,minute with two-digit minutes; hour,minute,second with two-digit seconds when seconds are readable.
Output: 5,18,08
